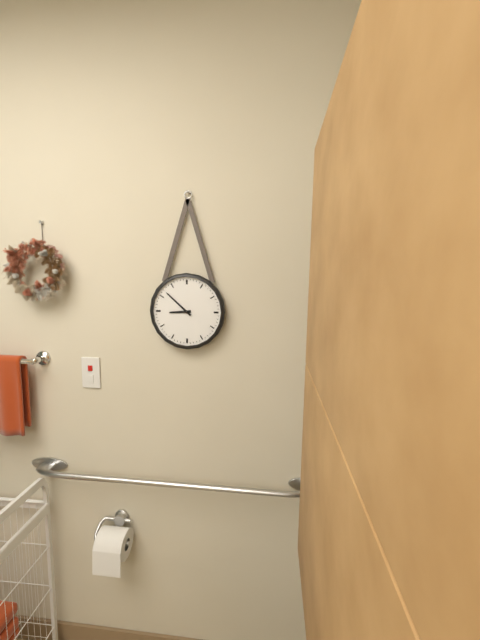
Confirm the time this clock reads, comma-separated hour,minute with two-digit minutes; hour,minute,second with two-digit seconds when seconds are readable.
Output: 8,52
